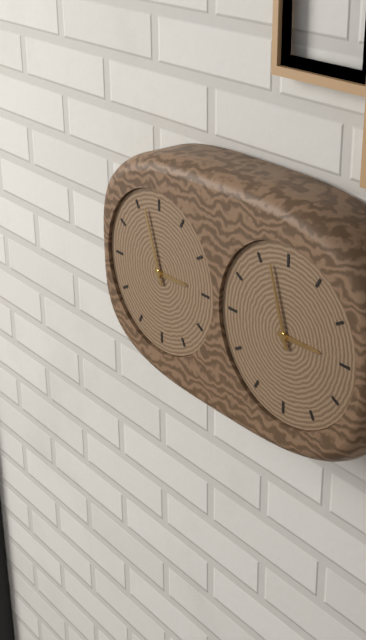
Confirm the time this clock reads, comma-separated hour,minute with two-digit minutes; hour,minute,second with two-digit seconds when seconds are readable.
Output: 2,57
